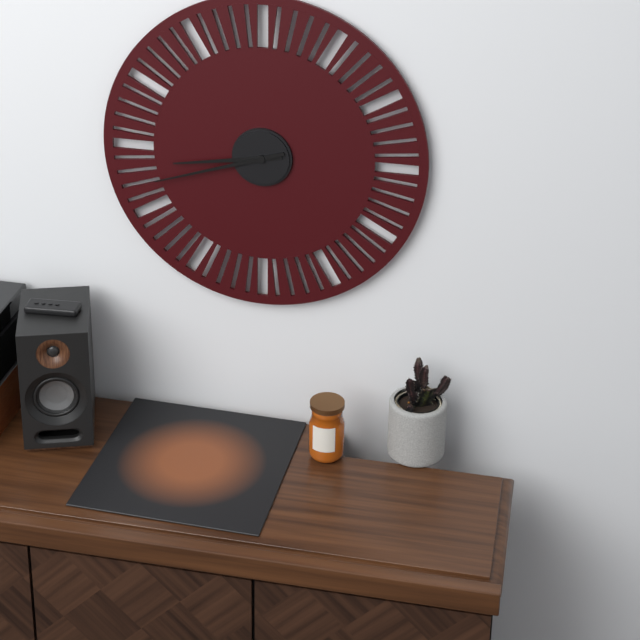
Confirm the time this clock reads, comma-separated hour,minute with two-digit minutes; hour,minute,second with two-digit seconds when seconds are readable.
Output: 8,42
